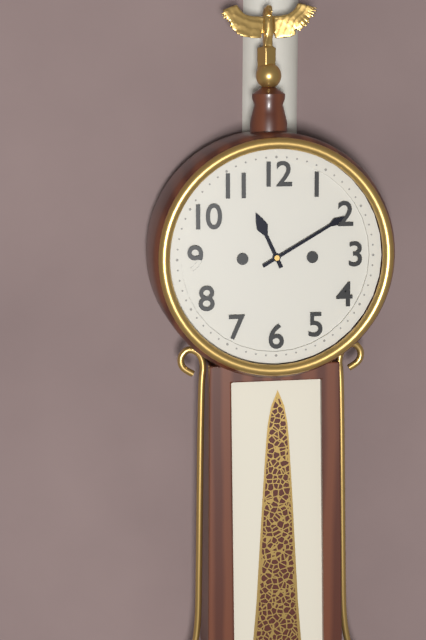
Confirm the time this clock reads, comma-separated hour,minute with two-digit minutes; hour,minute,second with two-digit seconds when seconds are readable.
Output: 11,10
